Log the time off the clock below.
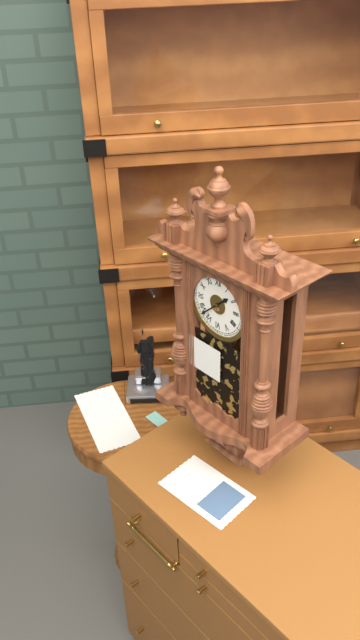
1:38
